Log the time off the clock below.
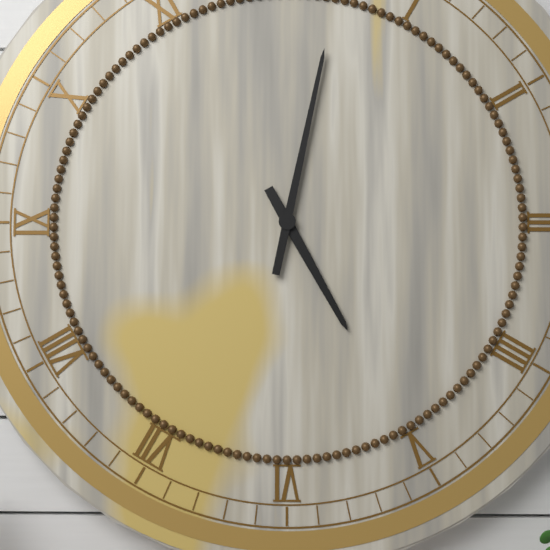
5:02
